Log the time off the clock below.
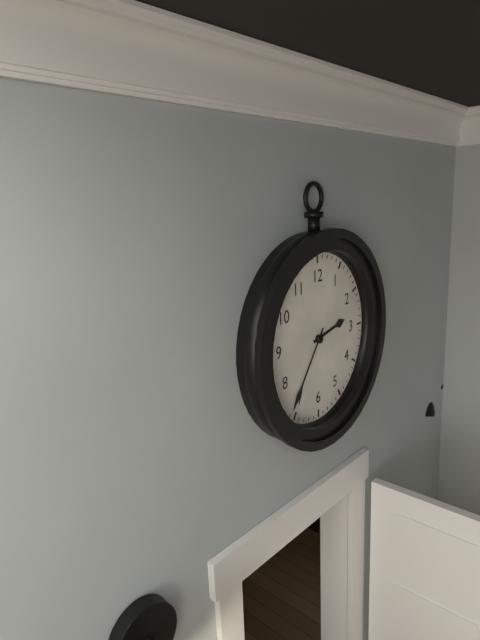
2:36
